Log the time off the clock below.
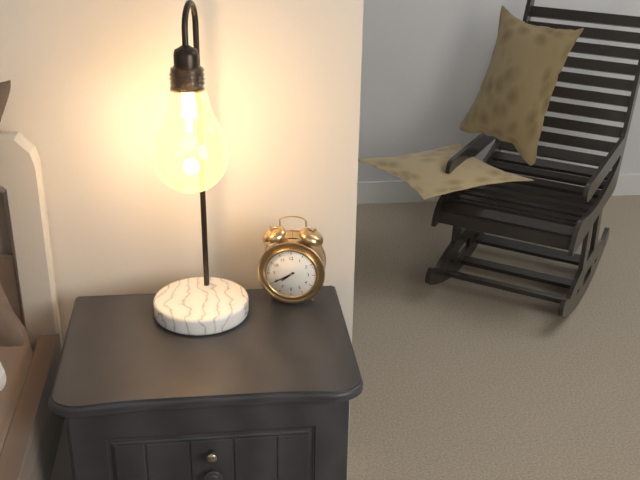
7:40
